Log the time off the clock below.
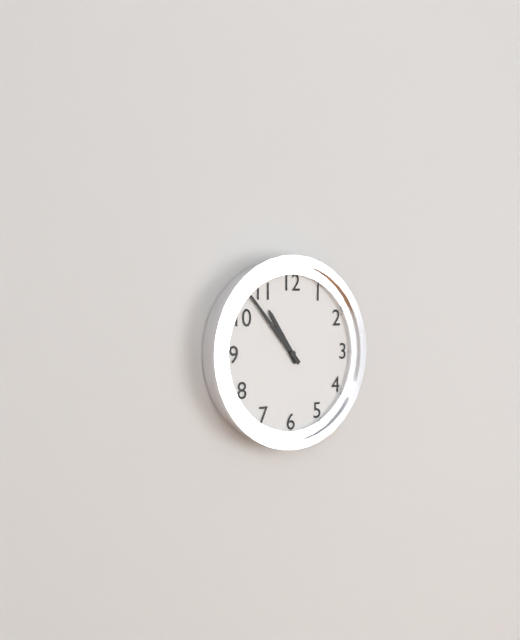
10:53
